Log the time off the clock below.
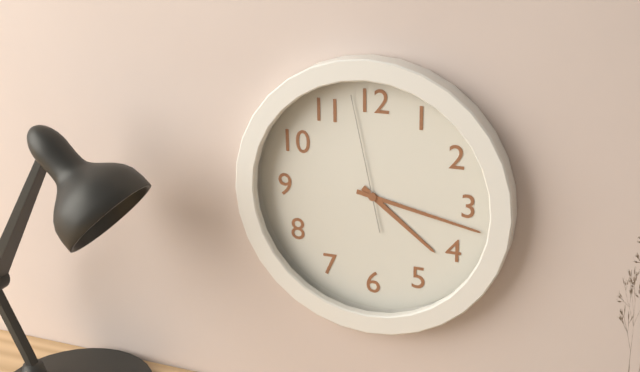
4:17:58
